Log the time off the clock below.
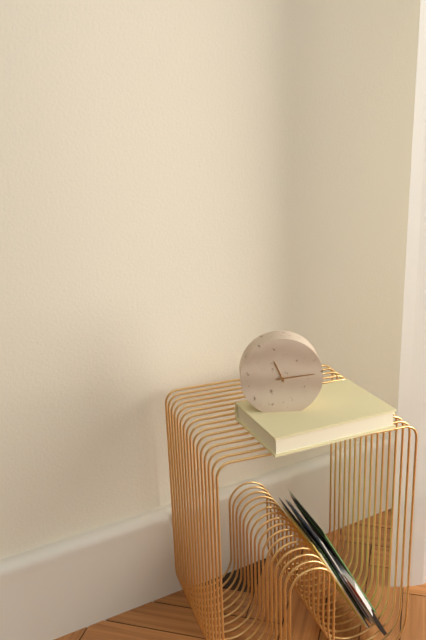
11:14
